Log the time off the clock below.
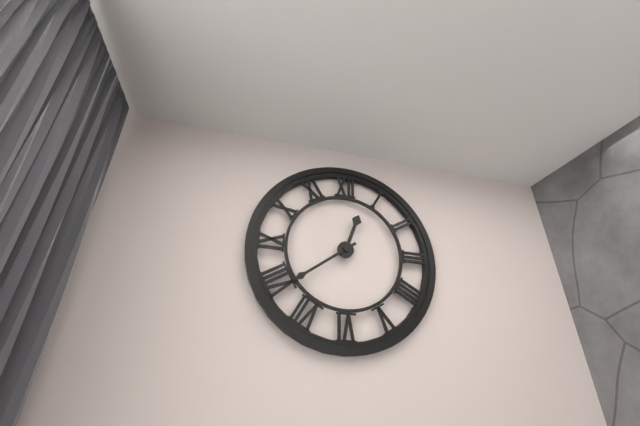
12:39
